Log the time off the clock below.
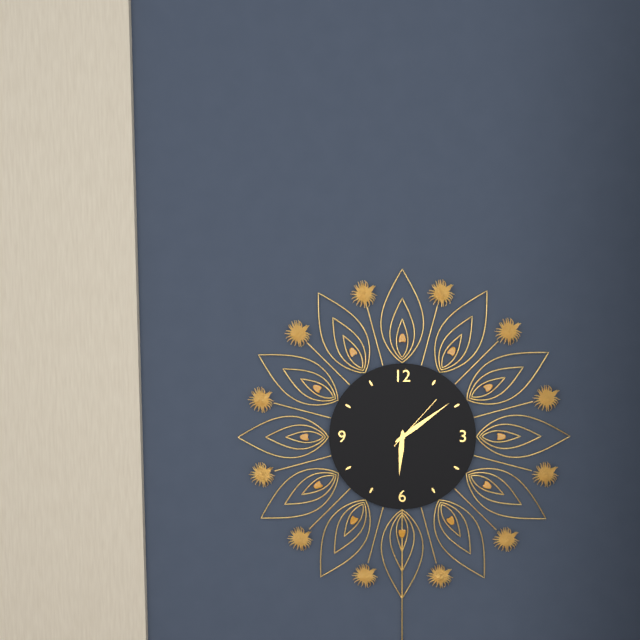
6:09:07
